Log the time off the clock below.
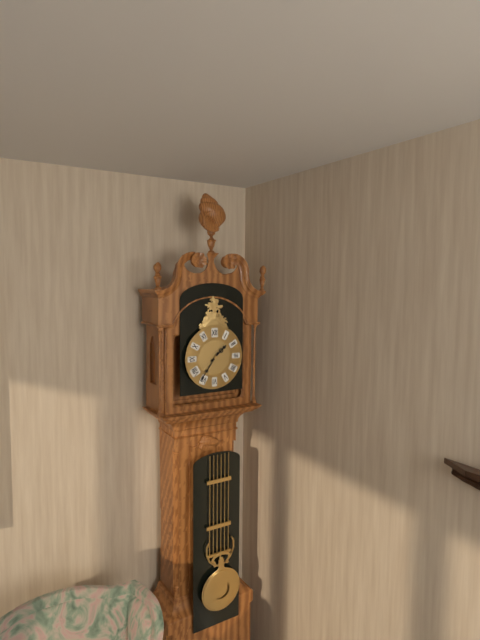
1:36
